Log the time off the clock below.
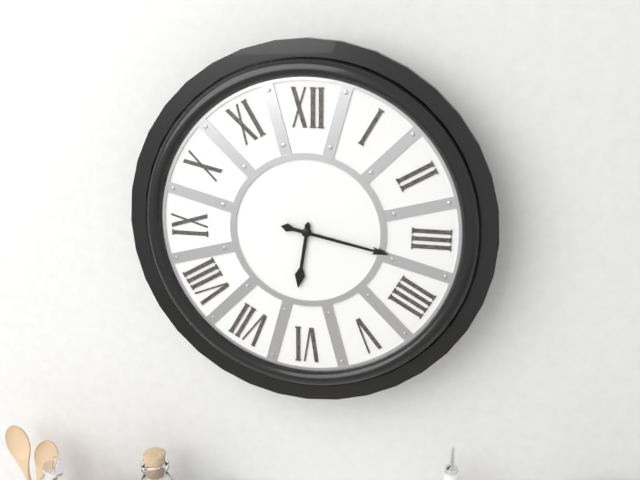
6:17
